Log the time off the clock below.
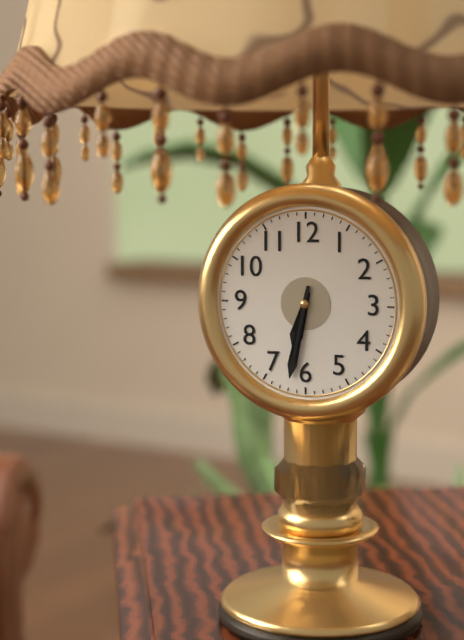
6:32
